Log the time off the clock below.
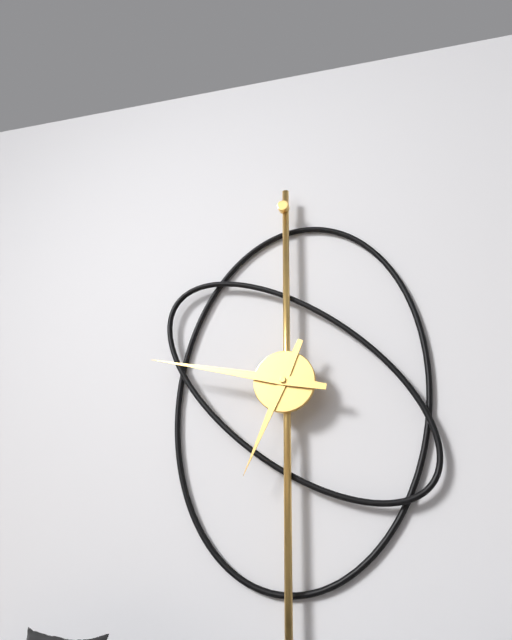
6:47
